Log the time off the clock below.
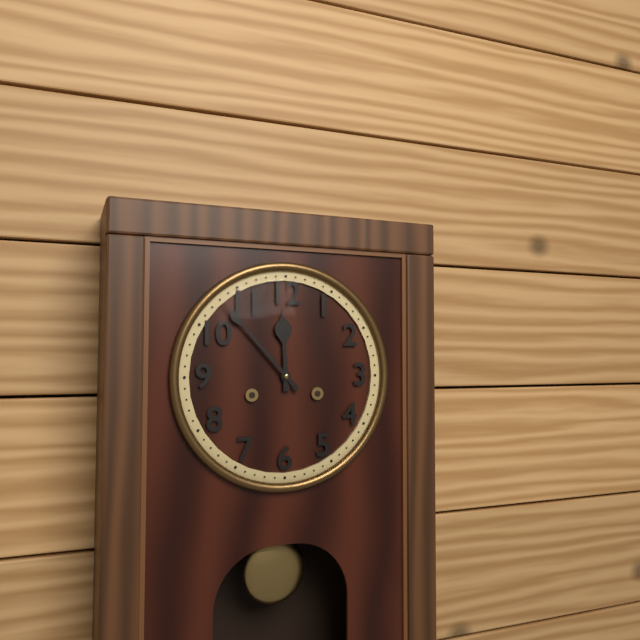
11:53
